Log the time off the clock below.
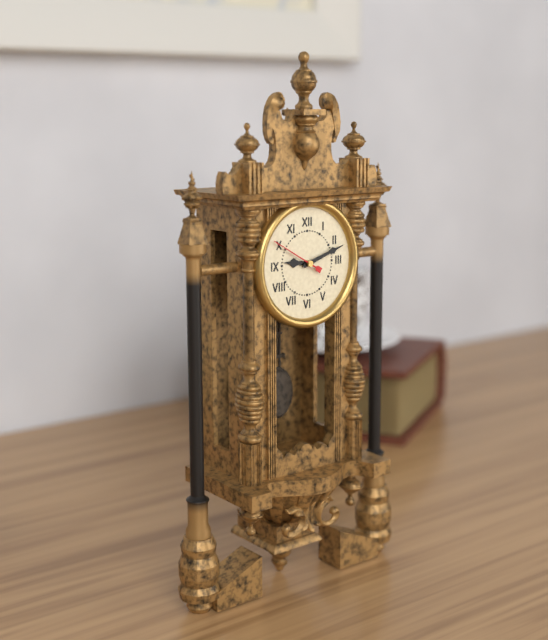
9:12:50
